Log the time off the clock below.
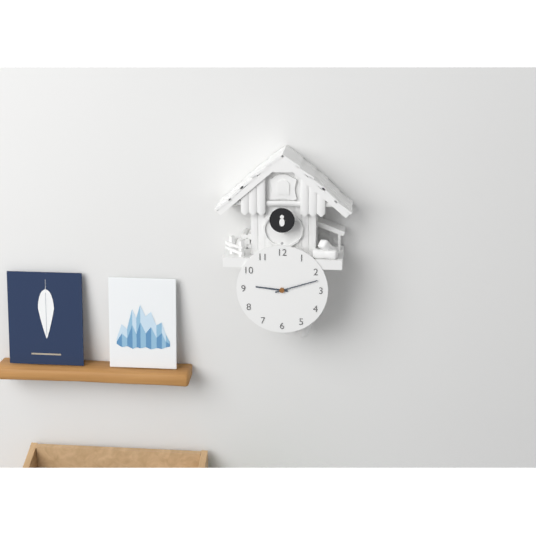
9:12
